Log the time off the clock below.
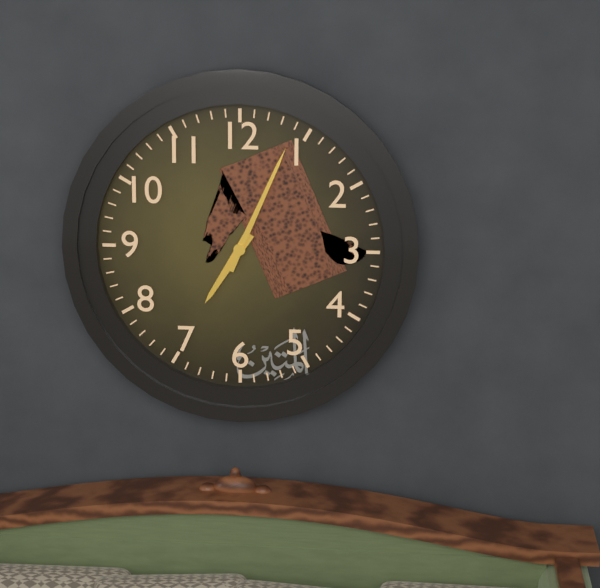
7:04
